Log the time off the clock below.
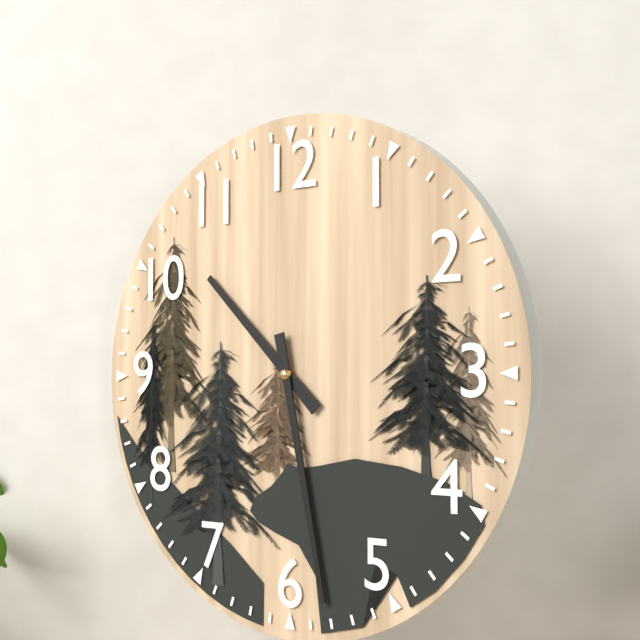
10:28
